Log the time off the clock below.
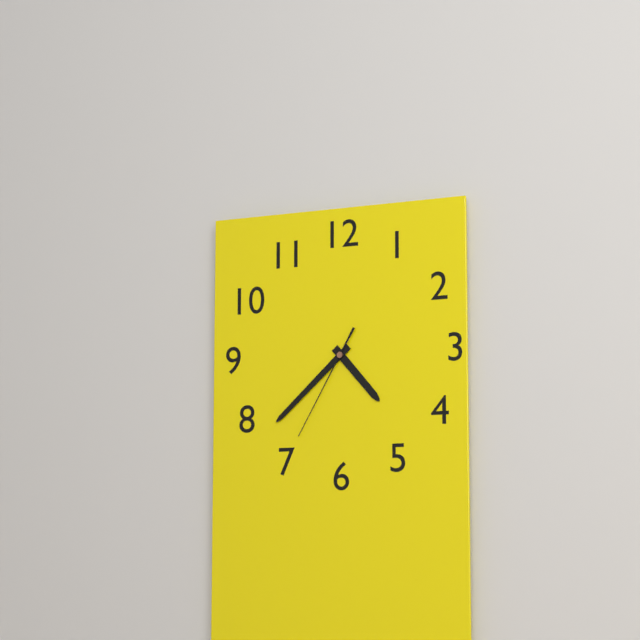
4:38:35
